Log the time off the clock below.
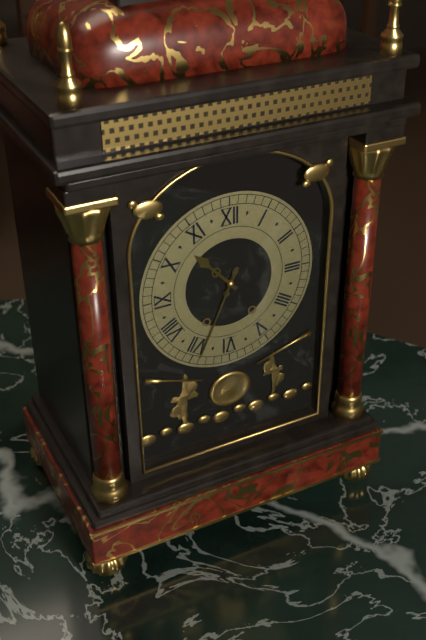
10:34
